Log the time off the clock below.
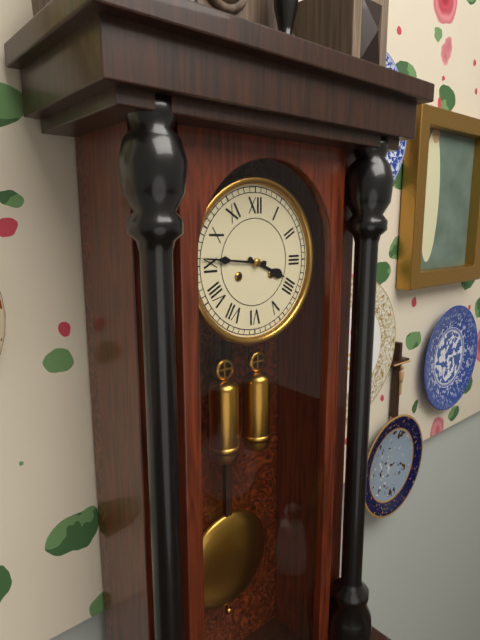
3:46
